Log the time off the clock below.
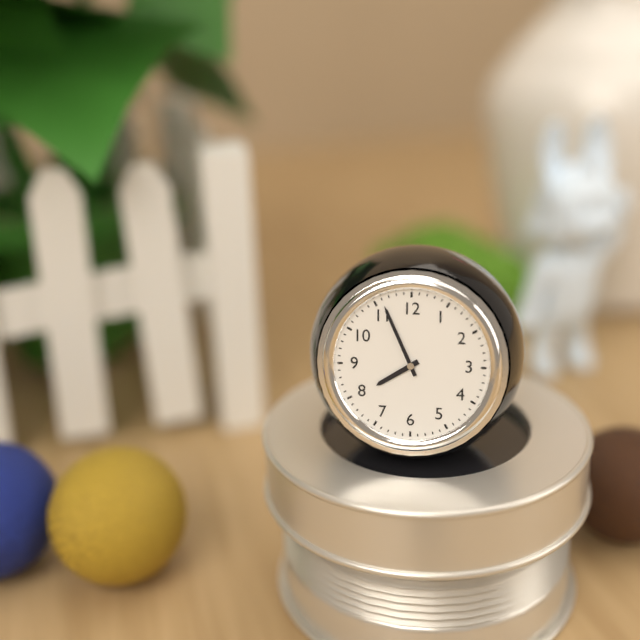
7:56
